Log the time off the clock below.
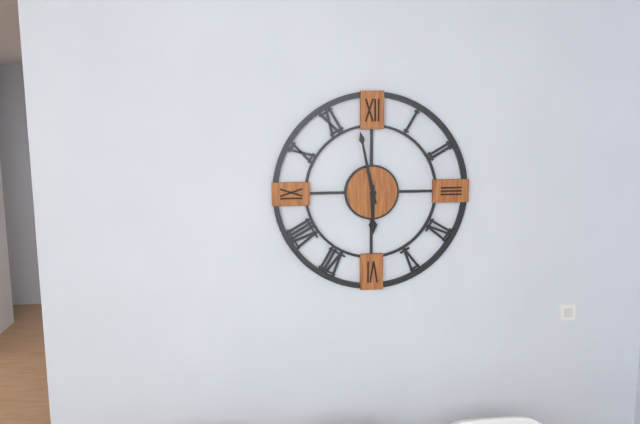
5:58
